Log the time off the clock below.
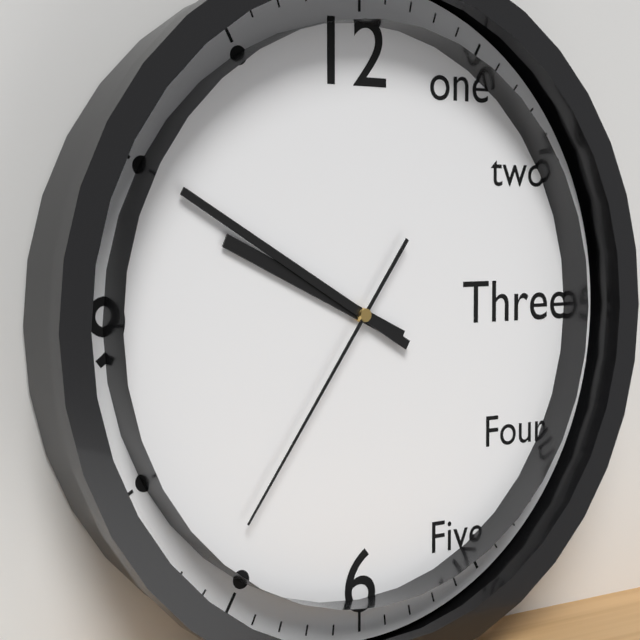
9:50:36
